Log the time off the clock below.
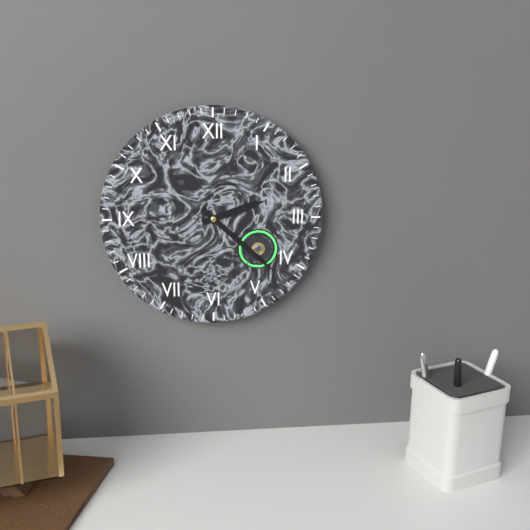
2:22
